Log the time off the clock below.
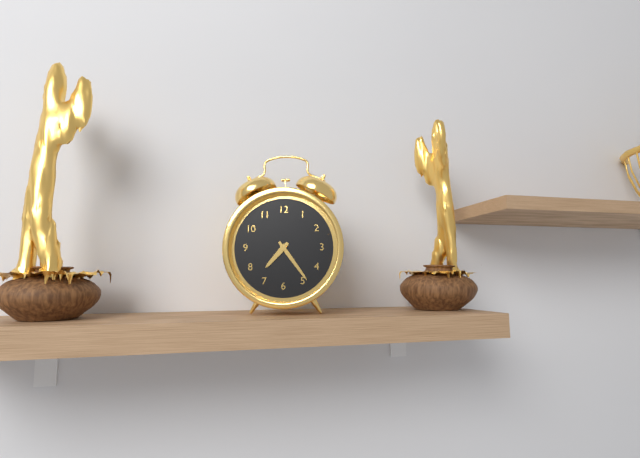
7:24
